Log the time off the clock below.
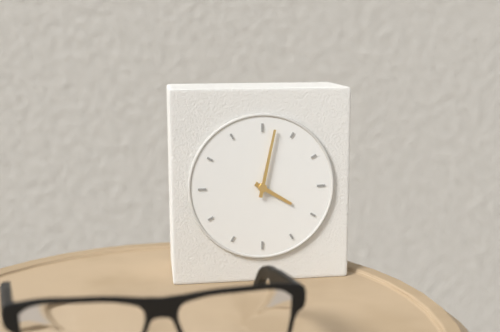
4:02
